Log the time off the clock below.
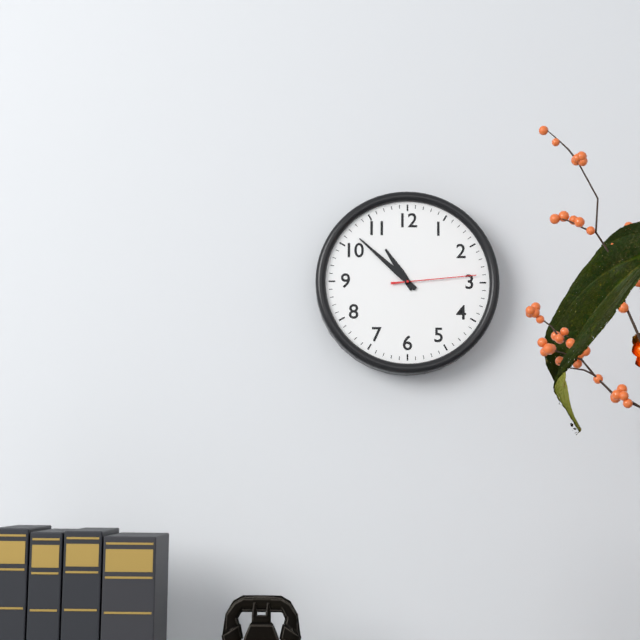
10:52:14
